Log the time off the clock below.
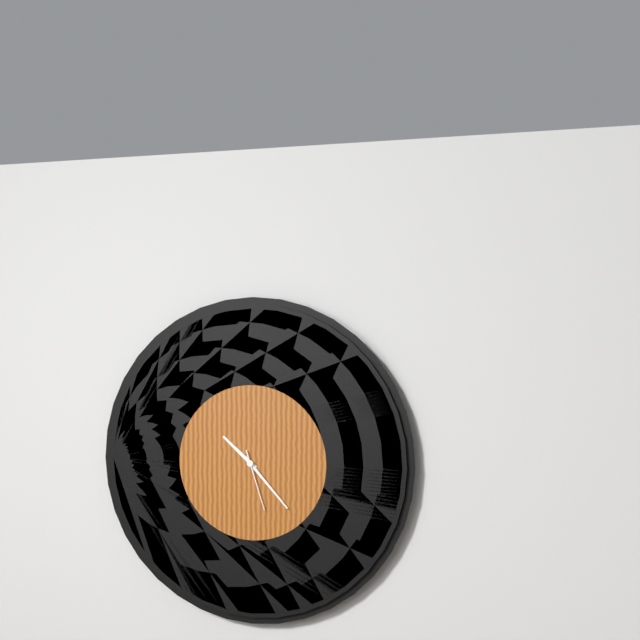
10:23:27
